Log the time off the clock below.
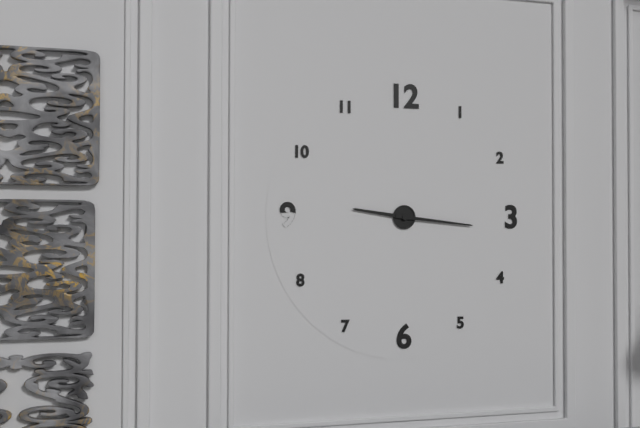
9:16
